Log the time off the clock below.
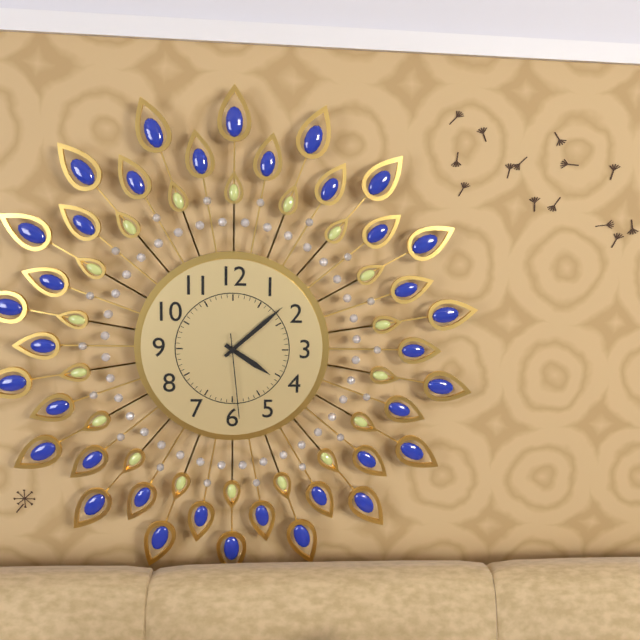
4:08:29
